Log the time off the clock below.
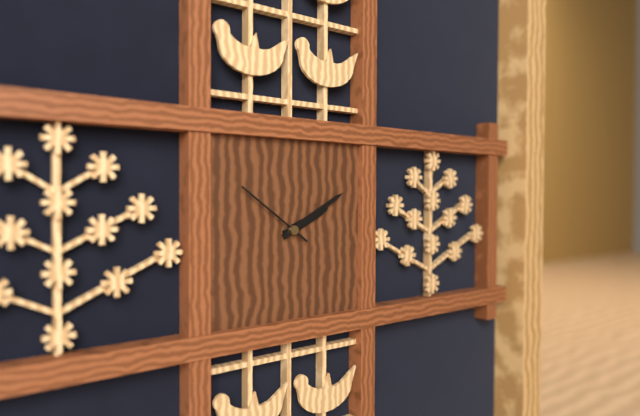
2:10:51
